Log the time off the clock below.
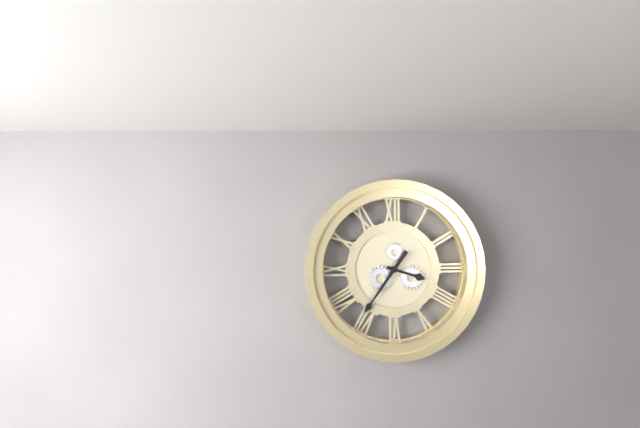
3:36
